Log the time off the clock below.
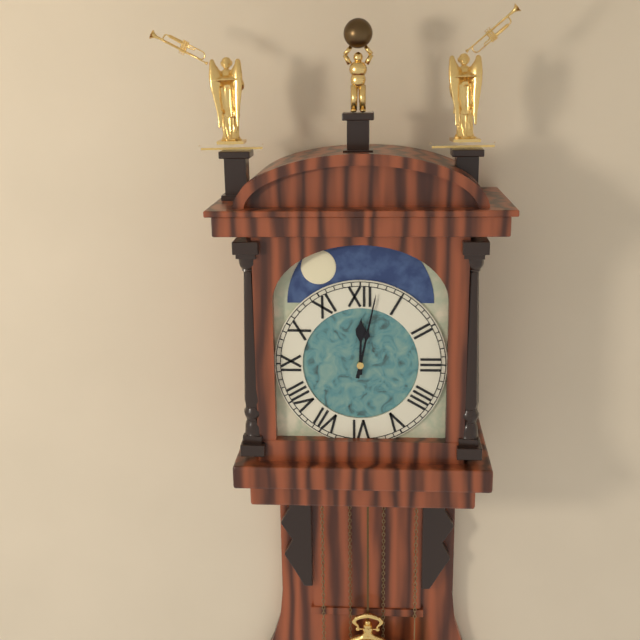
12:02
